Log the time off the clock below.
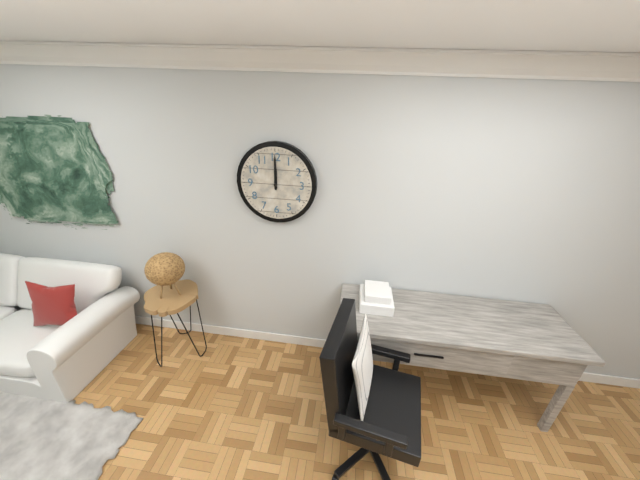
12:00
